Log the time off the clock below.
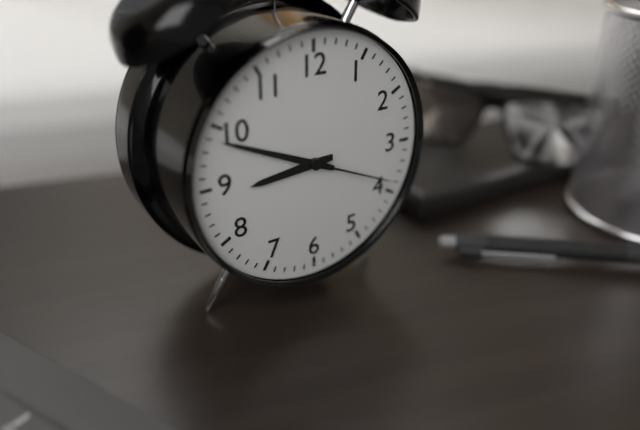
8:49:19
